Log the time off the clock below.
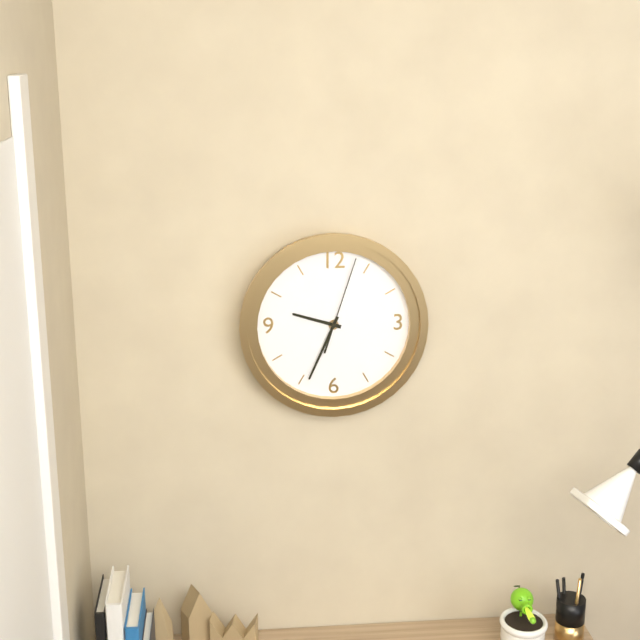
9:34:03
